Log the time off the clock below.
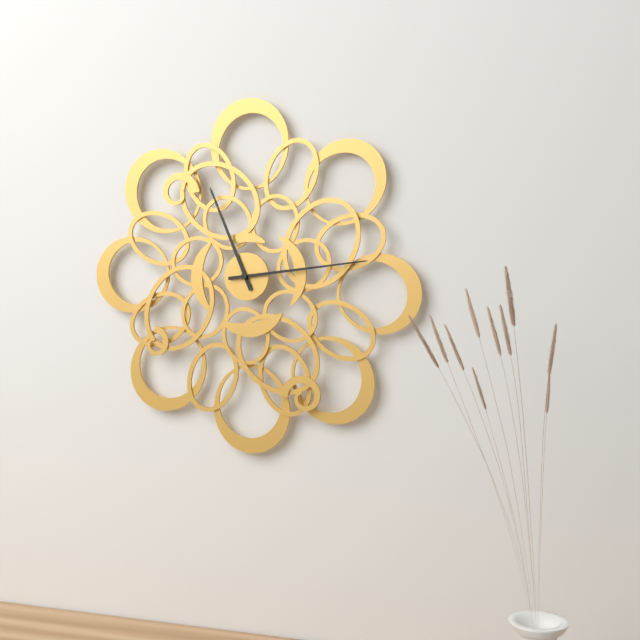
11:14
